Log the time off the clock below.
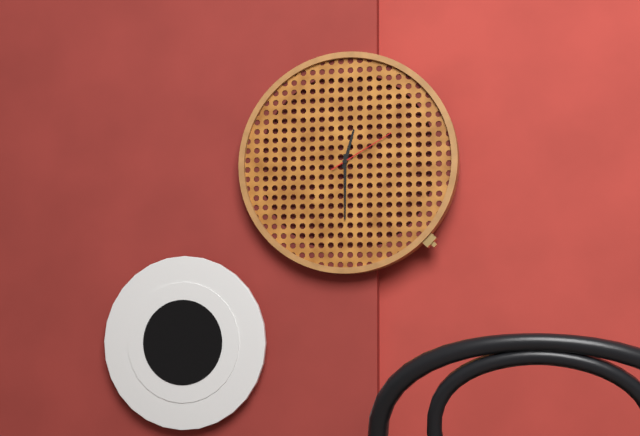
12:30:10
